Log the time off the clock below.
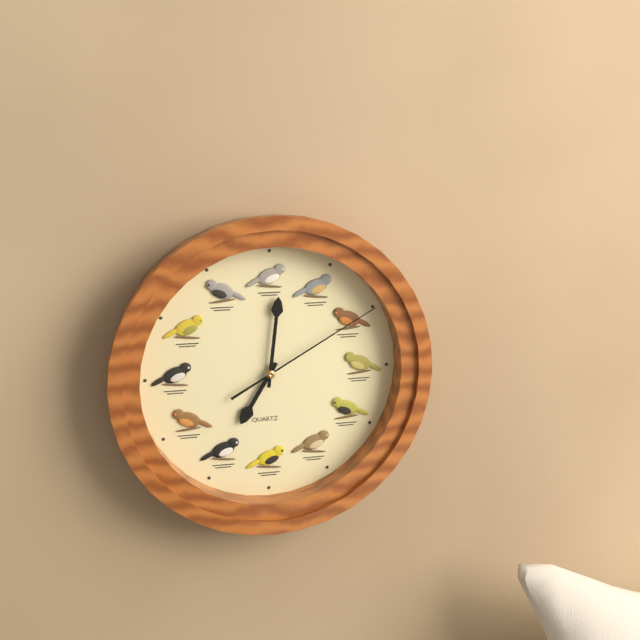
7:01:10
